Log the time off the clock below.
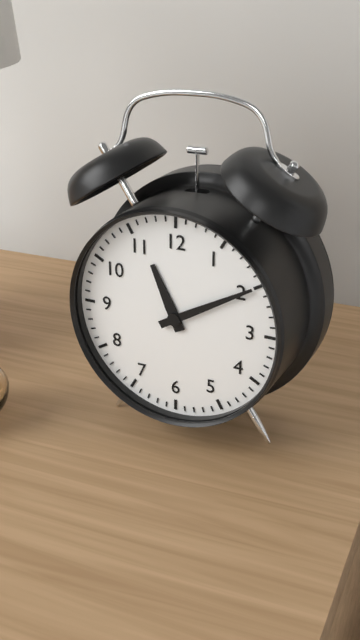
11:10
